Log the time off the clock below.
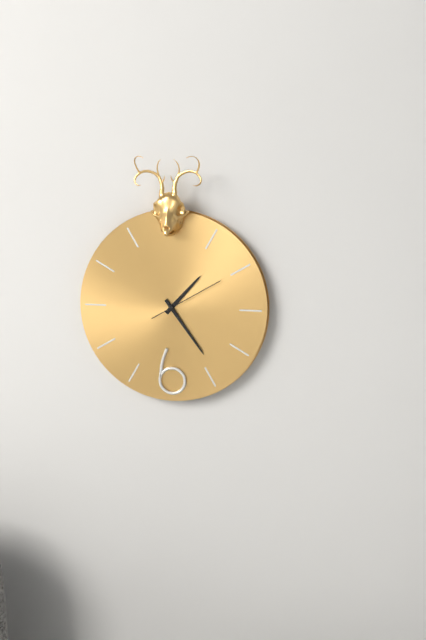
1:24:10
